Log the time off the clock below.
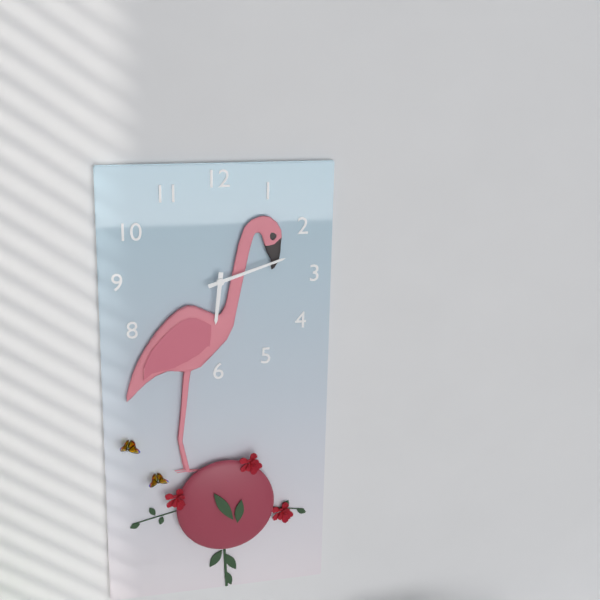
6:12
